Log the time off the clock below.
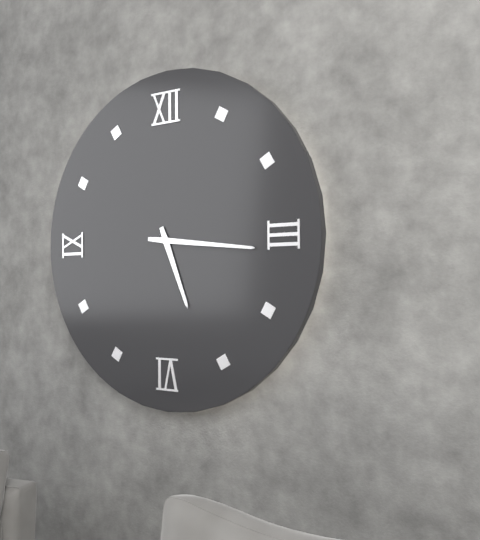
5:16
